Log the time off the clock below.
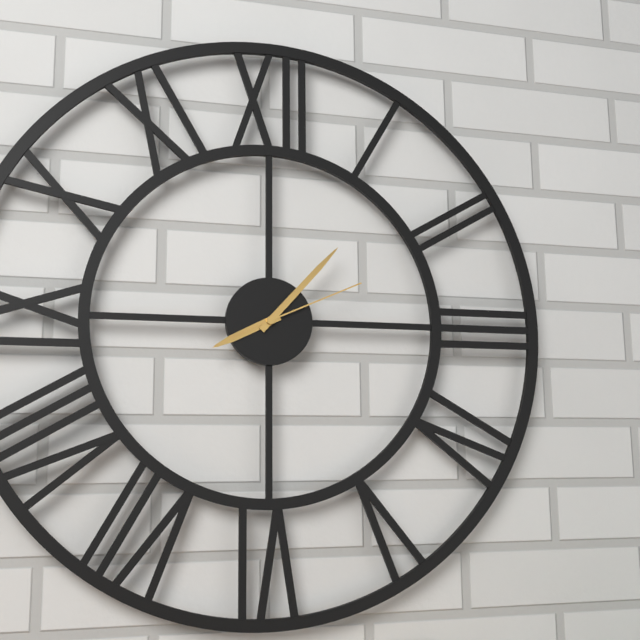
8:07:11
